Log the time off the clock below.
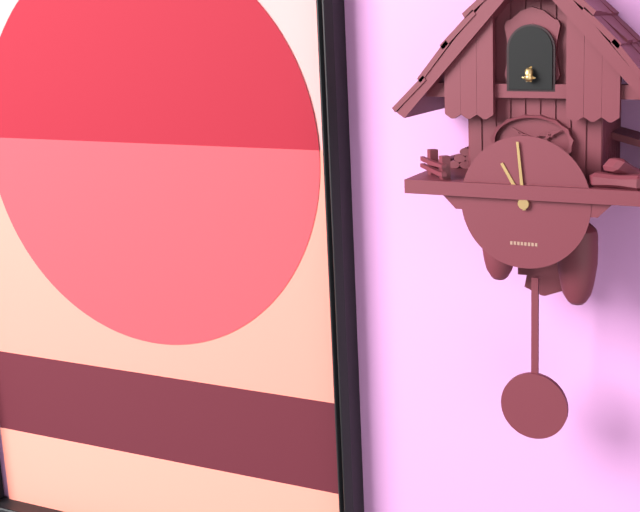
10:59
